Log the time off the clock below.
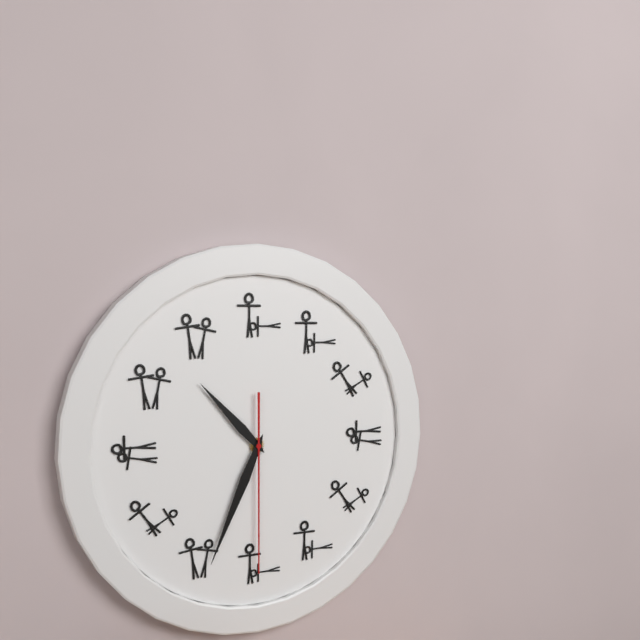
10:34:30
